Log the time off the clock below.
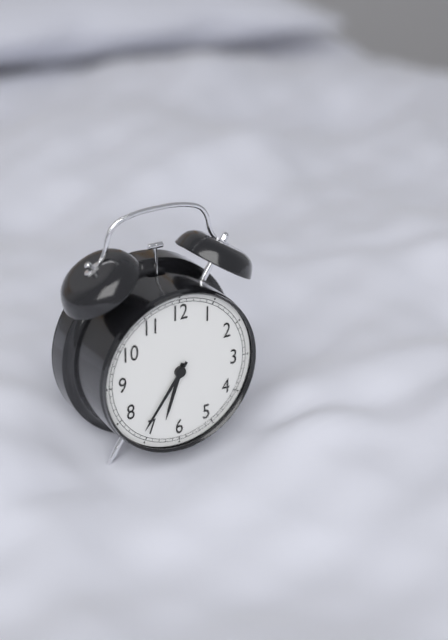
6:36
